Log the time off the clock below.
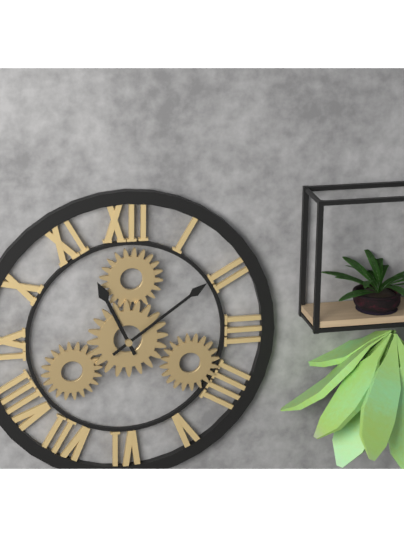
11:09
